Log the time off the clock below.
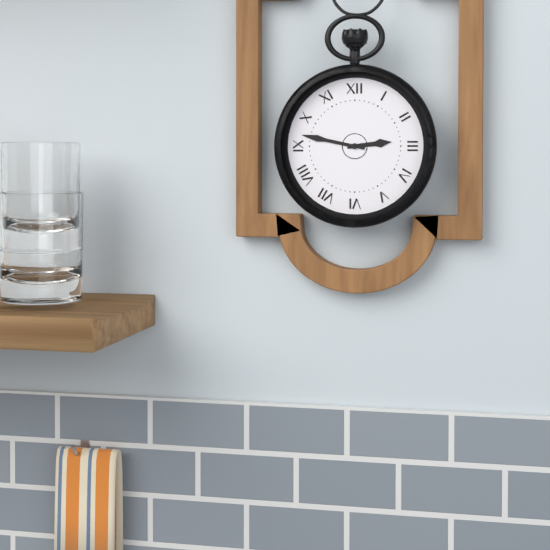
2:47
